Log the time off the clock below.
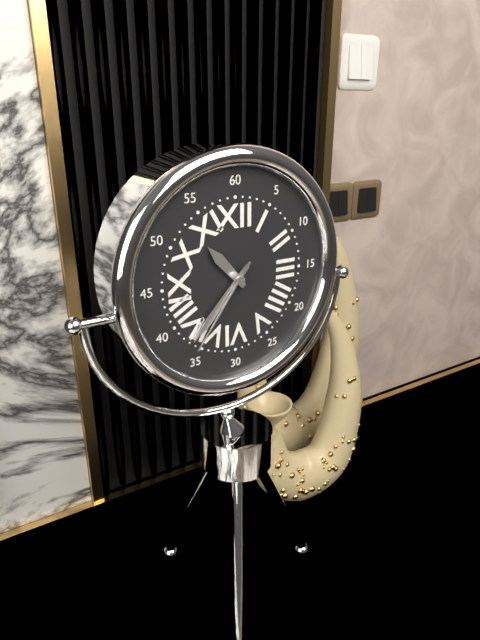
10:37:36
